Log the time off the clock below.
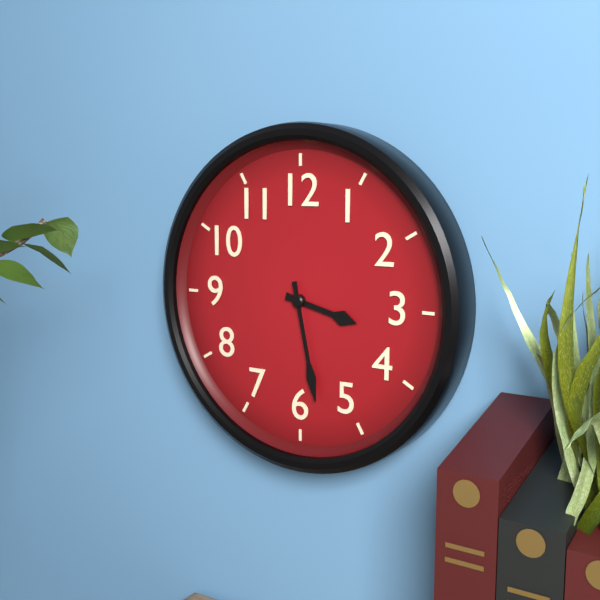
3:28
